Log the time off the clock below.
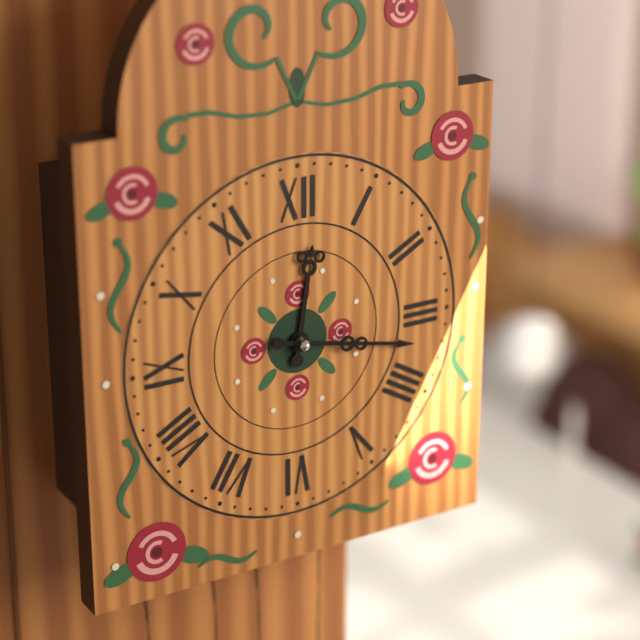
12:17
